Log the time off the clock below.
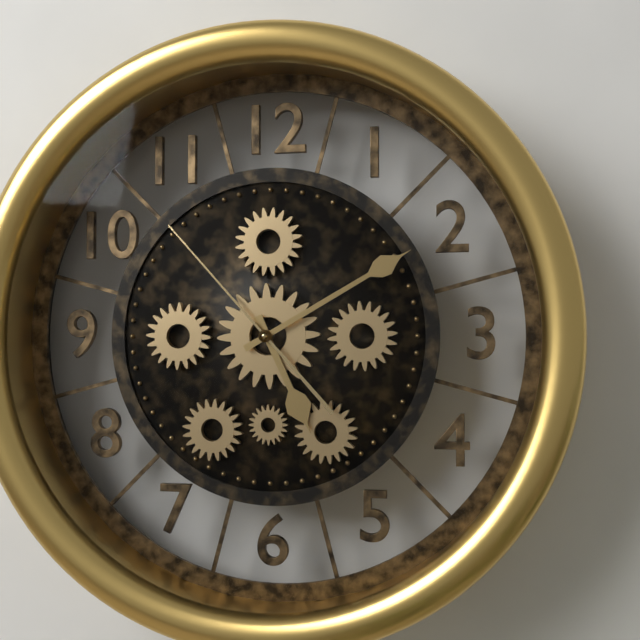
5:10:53
